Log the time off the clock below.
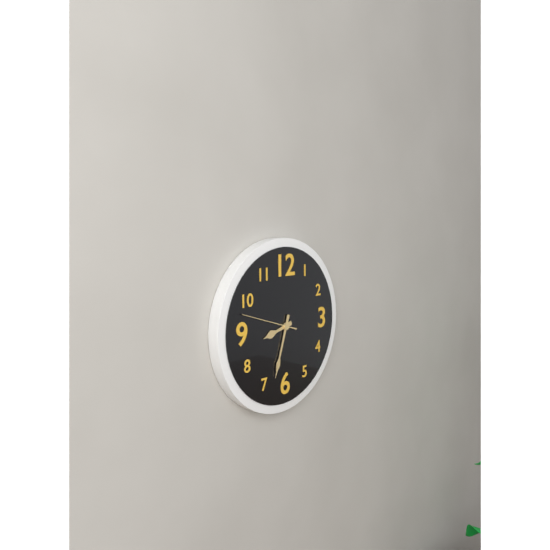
8:33:48
